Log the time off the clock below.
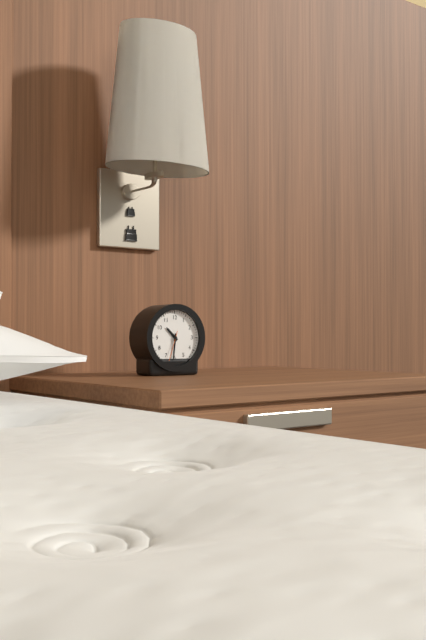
10:31
